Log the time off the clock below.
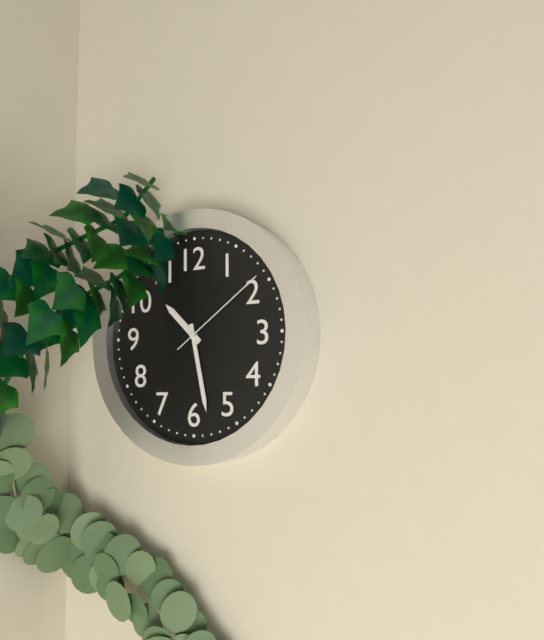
10:28:09
